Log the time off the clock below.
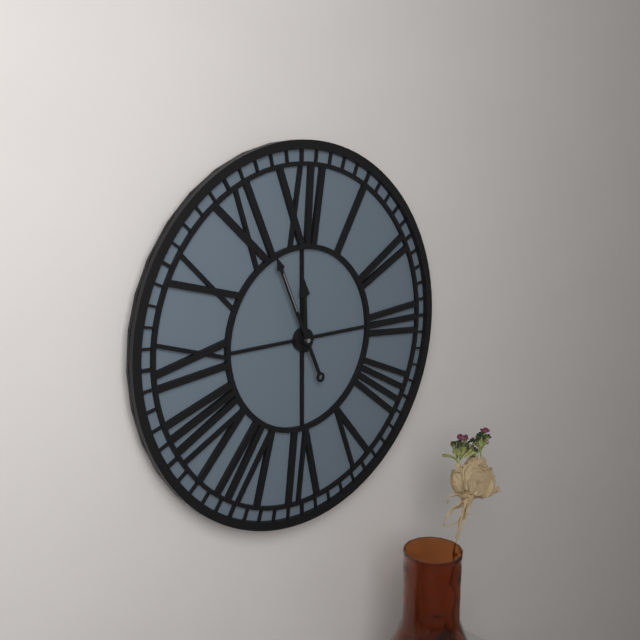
11:56
